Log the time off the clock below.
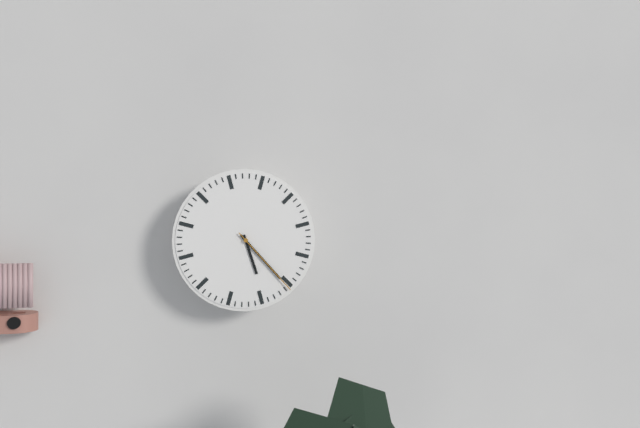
5:23:23
